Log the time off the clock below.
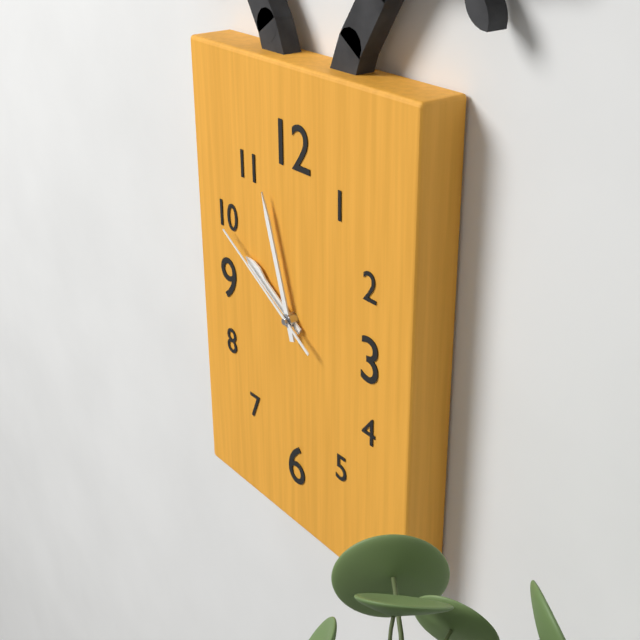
9:57:50
